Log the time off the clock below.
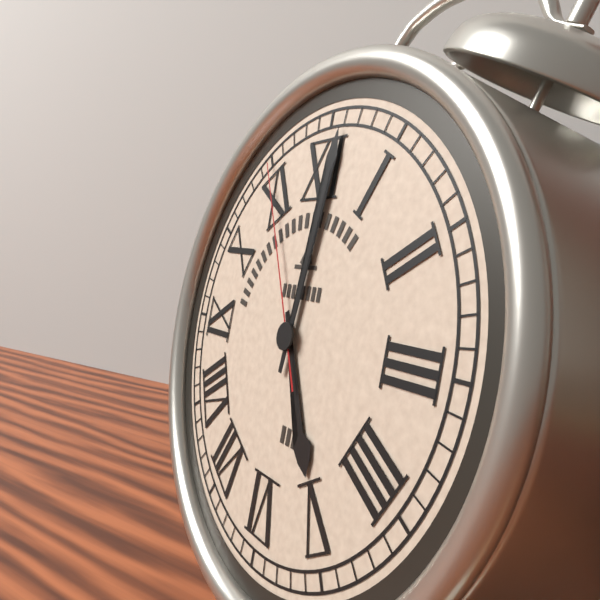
5:01:55
